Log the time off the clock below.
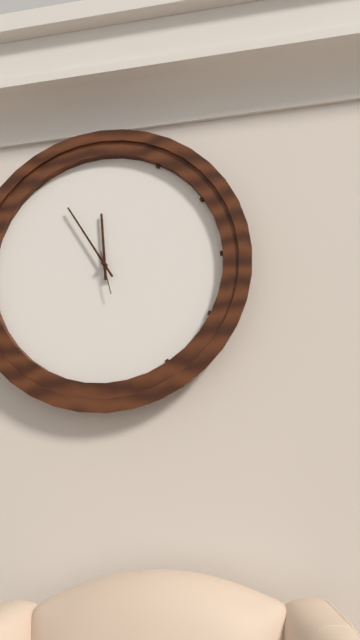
11:55
